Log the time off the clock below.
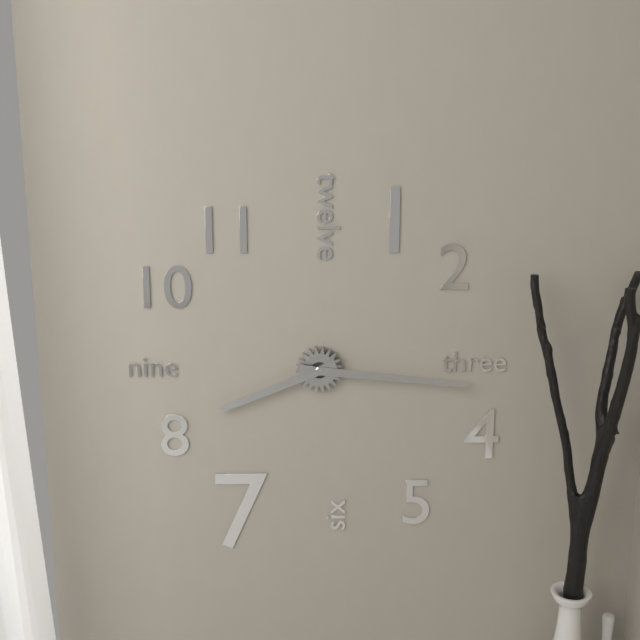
8:16
